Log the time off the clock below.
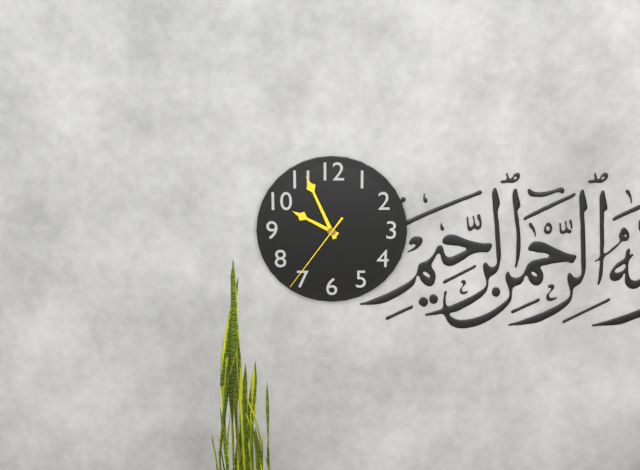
9:56:36
